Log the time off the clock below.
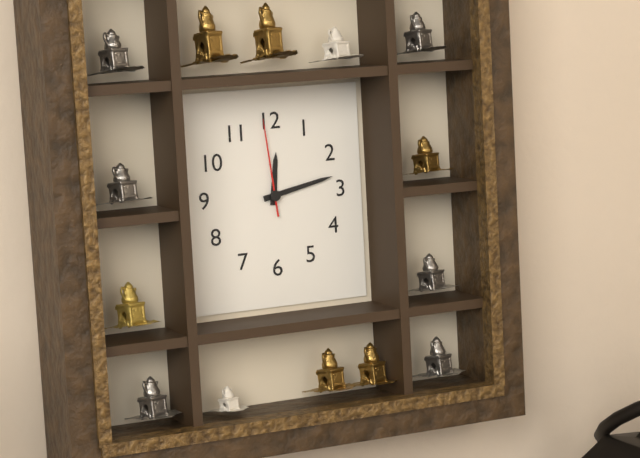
12:13:59
